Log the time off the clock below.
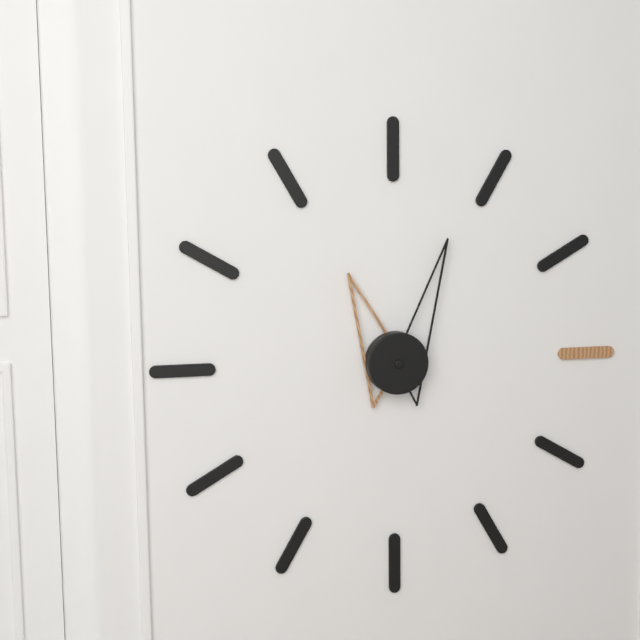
11:04
